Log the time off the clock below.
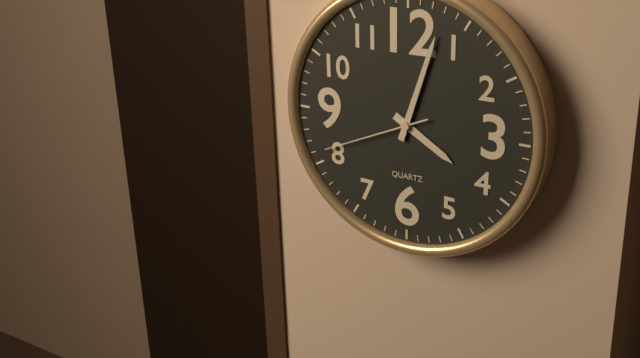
4:03:41
